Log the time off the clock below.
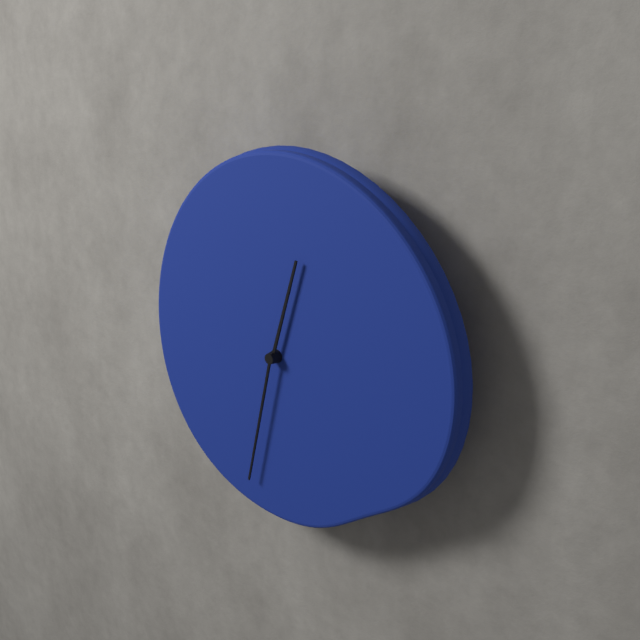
12:32
